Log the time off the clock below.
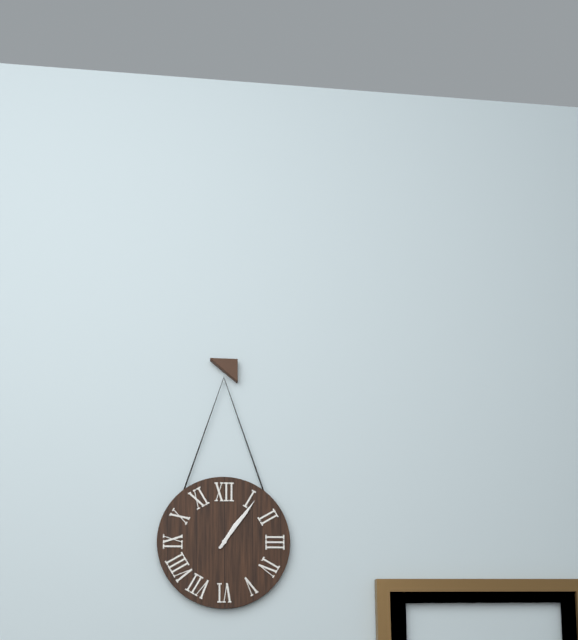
1:06
